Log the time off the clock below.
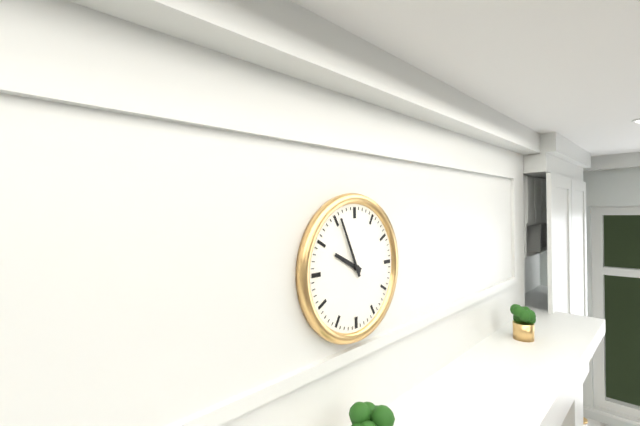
9:56
